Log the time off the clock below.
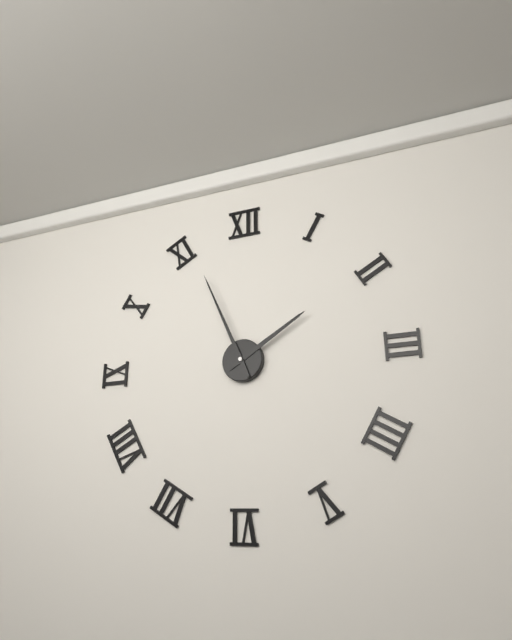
1:56
